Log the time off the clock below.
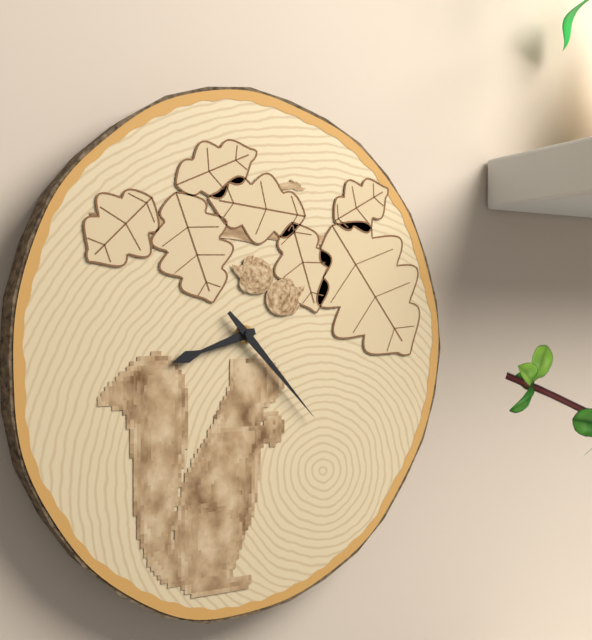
8:23
